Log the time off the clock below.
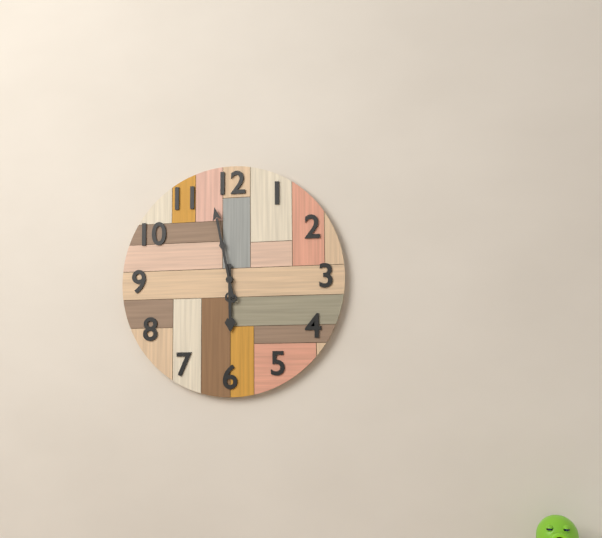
5:58
